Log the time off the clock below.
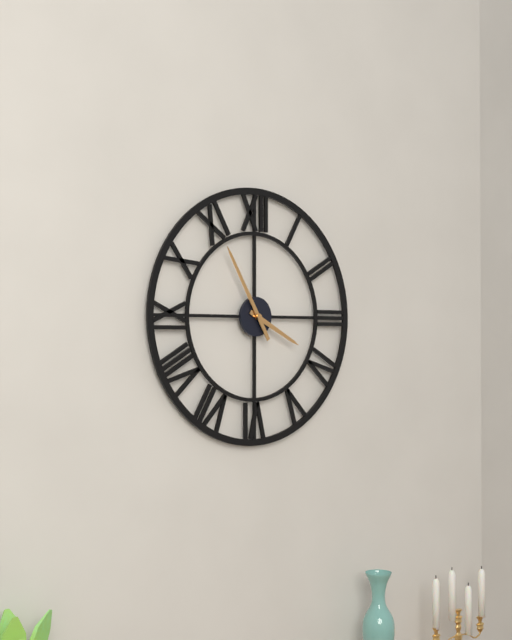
3:55
